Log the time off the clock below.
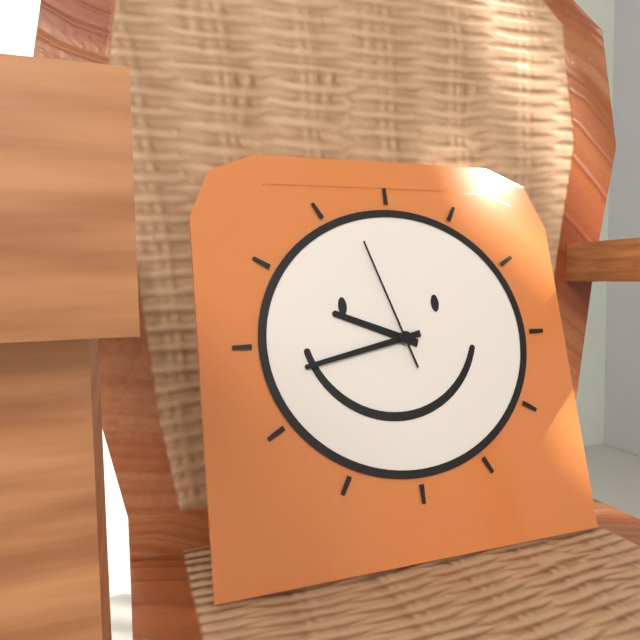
9:43:57
